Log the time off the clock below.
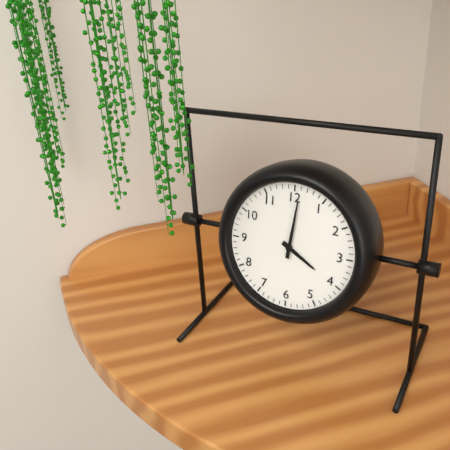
4:01
